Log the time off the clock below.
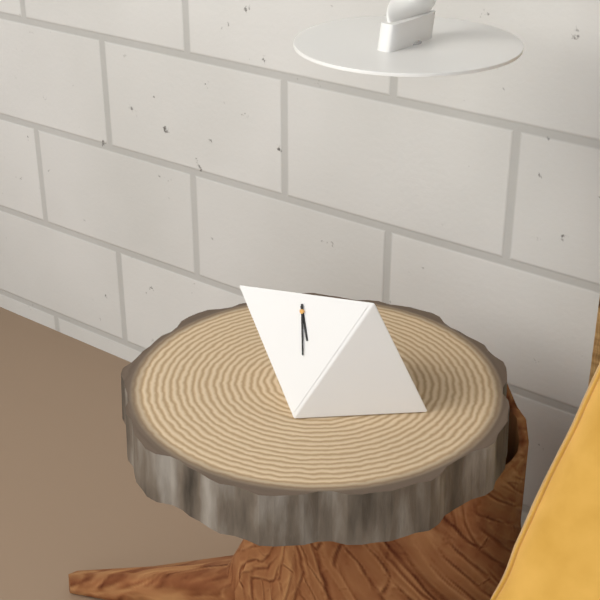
5:29
